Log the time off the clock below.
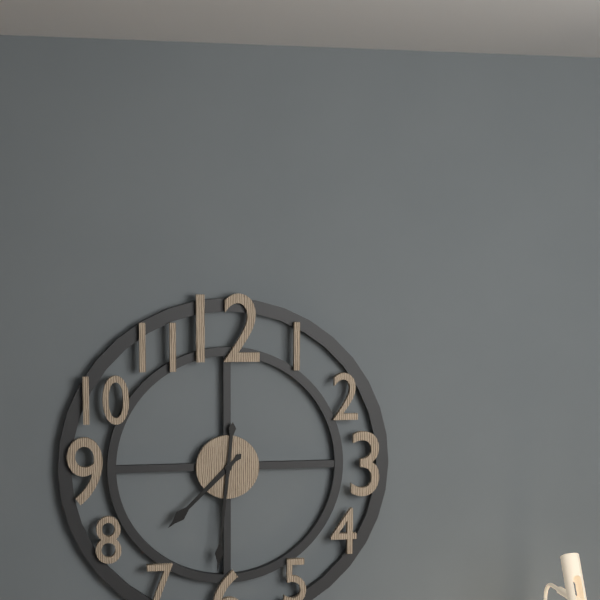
7:31
